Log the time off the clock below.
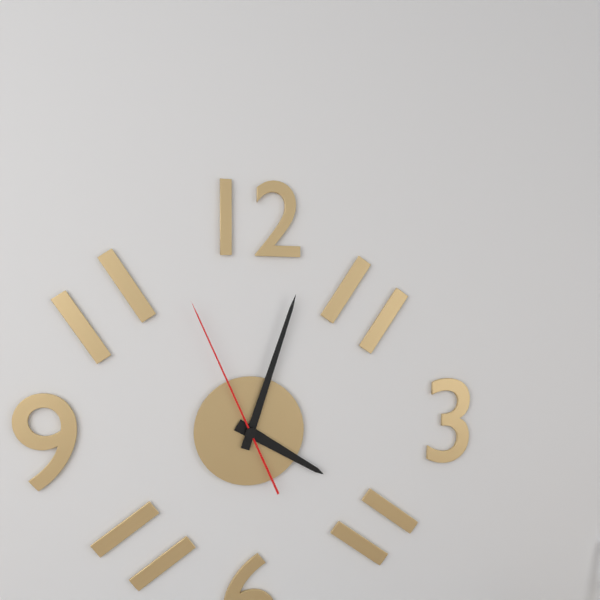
4:03:56
